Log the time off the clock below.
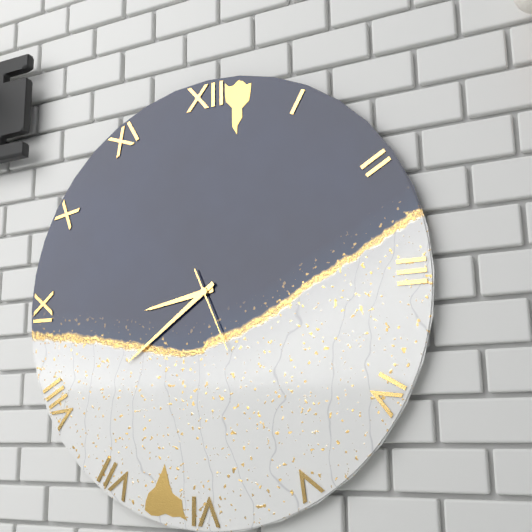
8:39:26
